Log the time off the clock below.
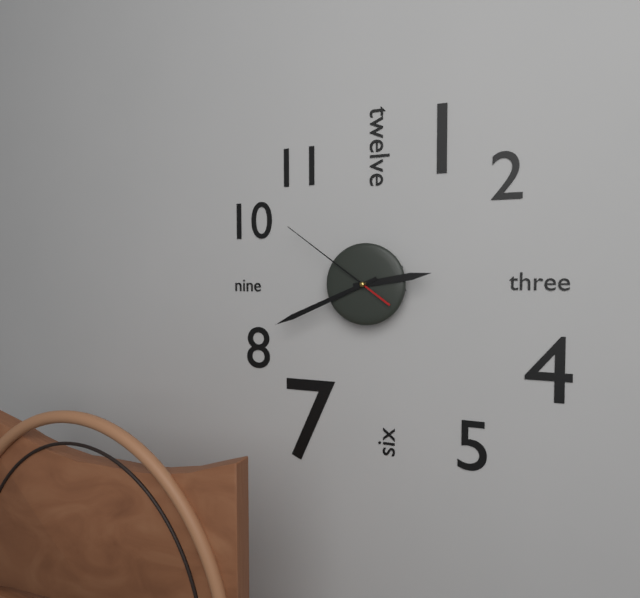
2:41:51
